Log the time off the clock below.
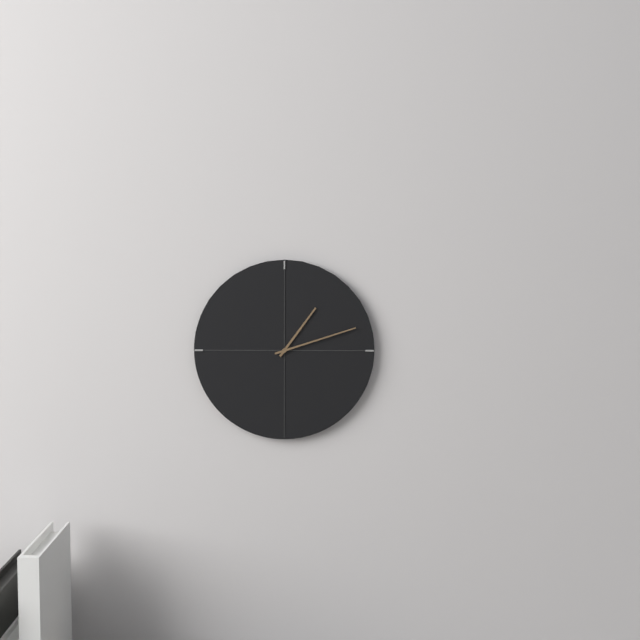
1:12
